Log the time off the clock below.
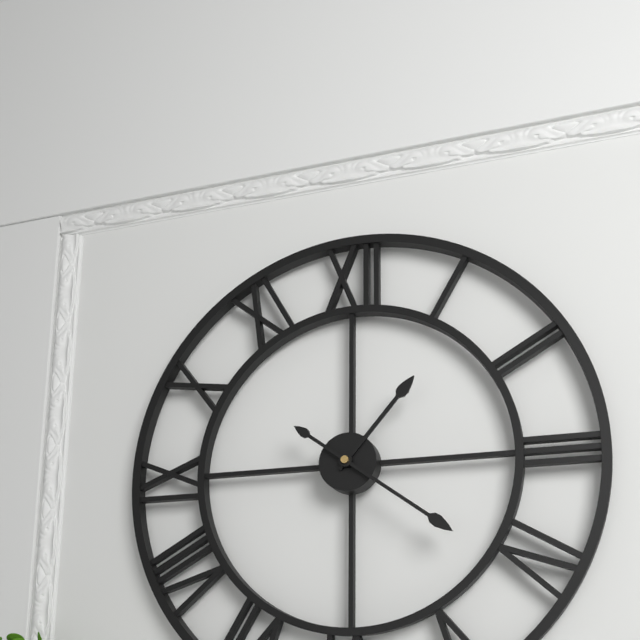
1:21
